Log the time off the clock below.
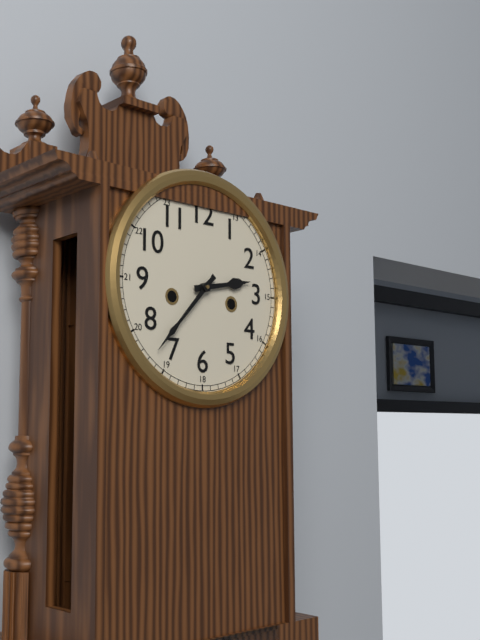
2:37
